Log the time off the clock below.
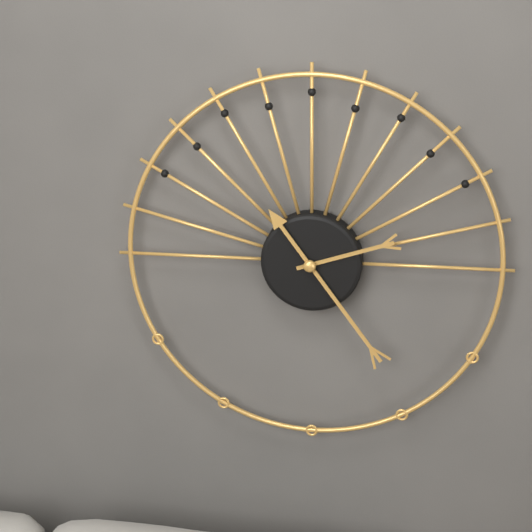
2:24
